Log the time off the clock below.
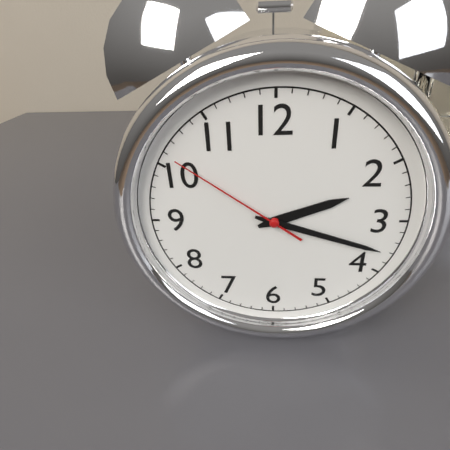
2:18:51
